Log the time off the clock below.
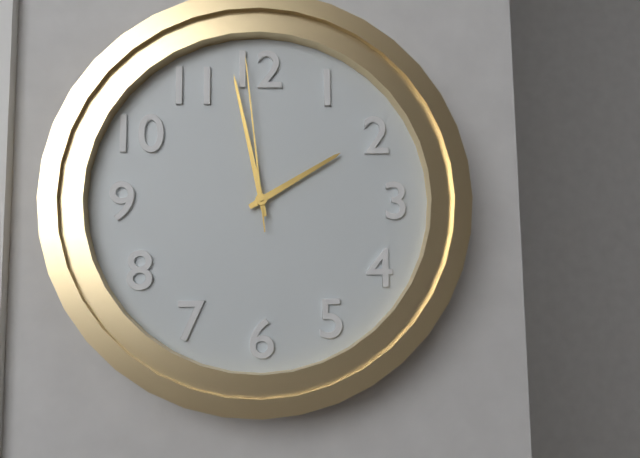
1:58:59
